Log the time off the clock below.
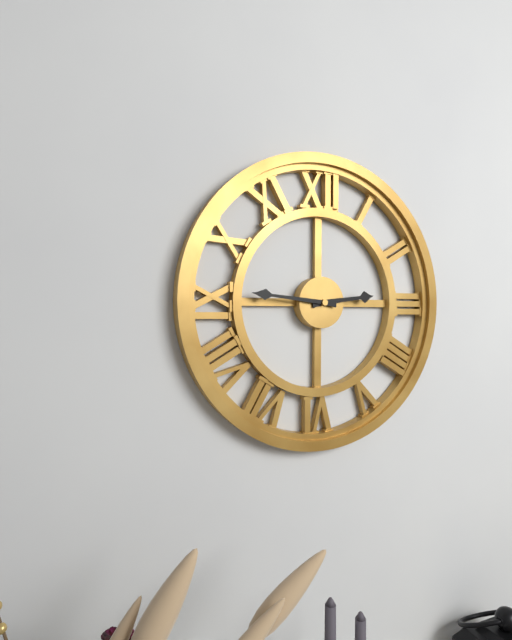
2:46
